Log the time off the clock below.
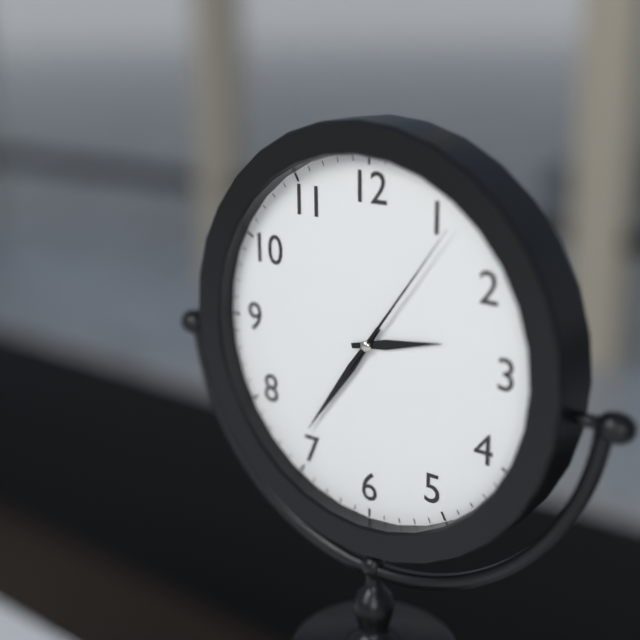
2:36:06
